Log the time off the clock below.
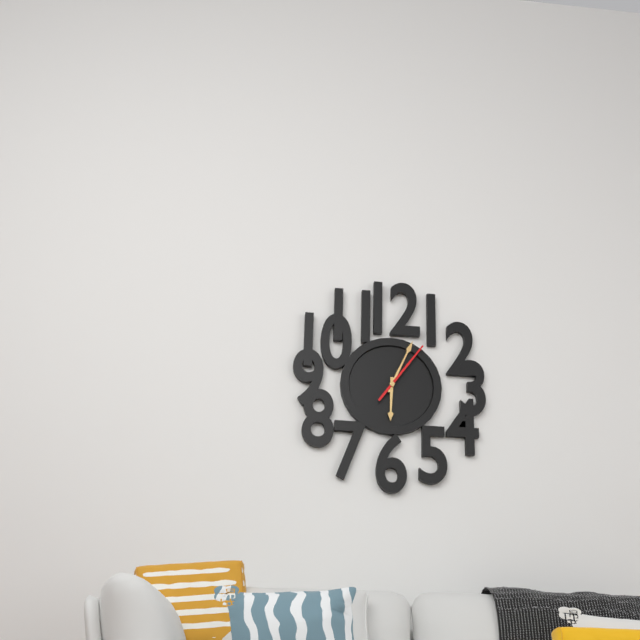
6:04:06
